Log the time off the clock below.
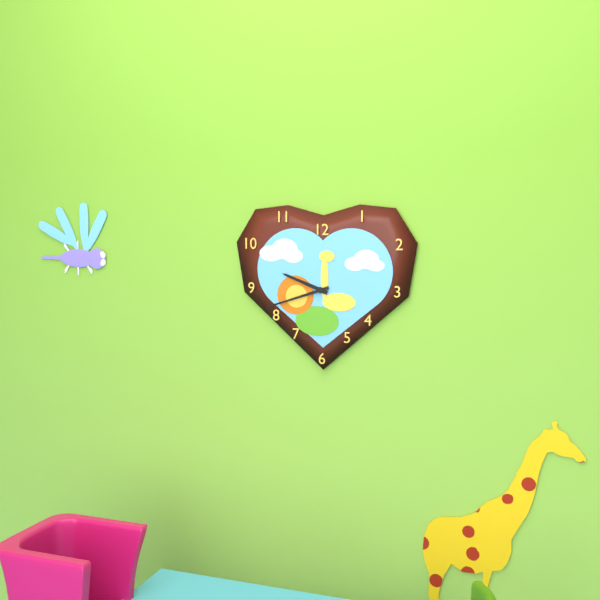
9:42
